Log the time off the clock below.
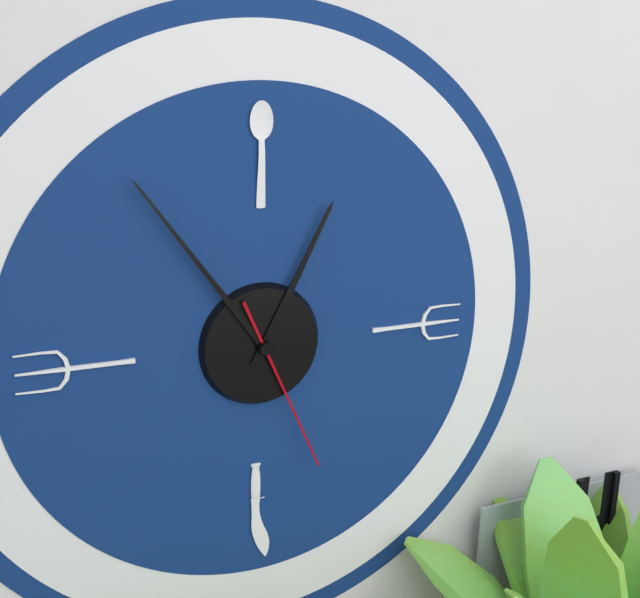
12:54:26
